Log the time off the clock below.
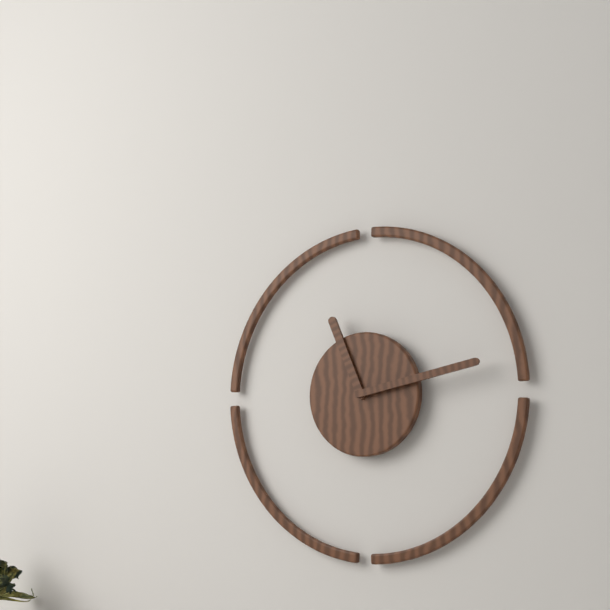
11:13
